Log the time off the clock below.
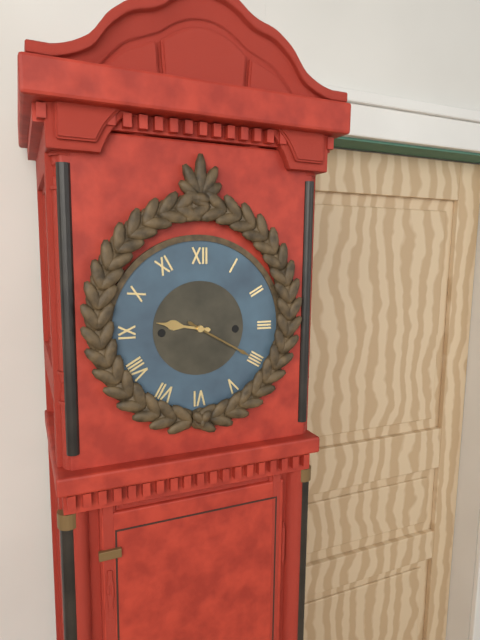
9:20
